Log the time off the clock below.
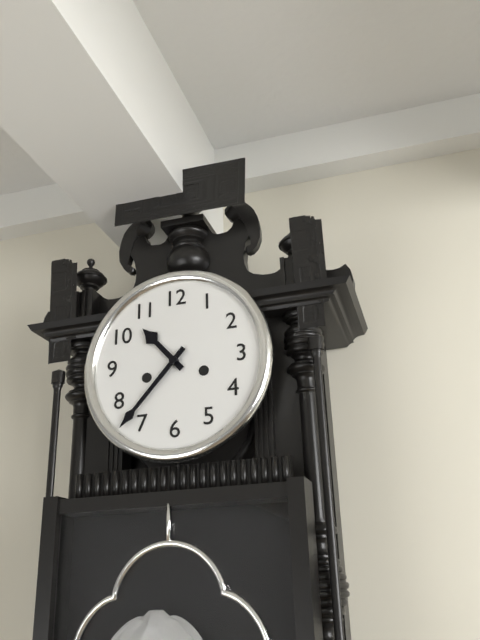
10:37
